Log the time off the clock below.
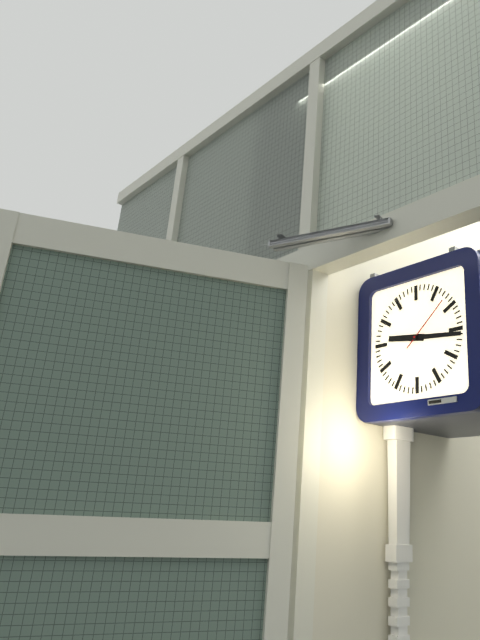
9:16:08
